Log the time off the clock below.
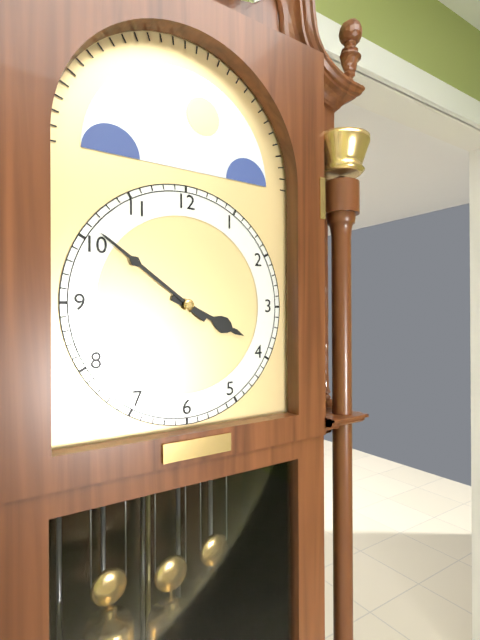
3:51
